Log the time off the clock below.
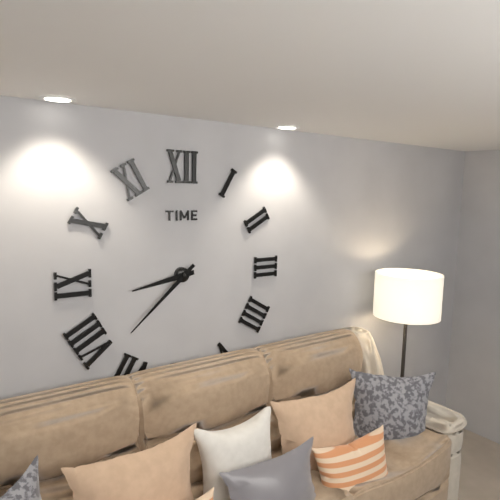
8:38
